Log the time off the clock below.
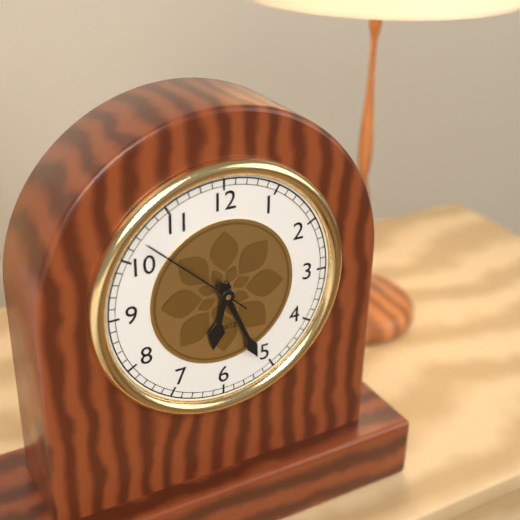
6:26:52
